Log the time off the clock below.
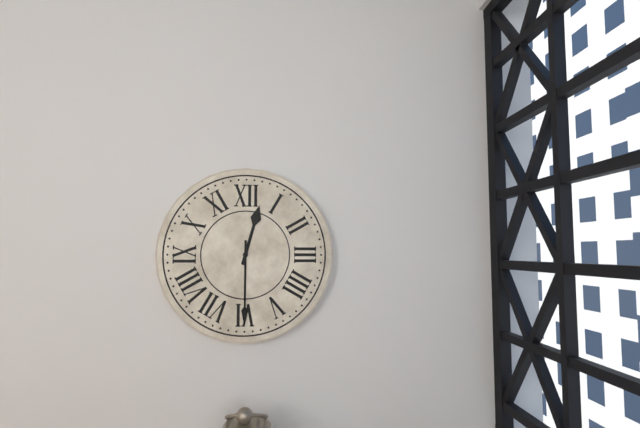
12:30
